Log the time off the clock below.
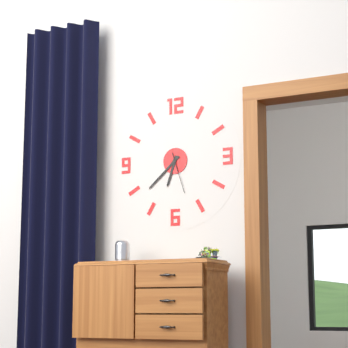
6:38
